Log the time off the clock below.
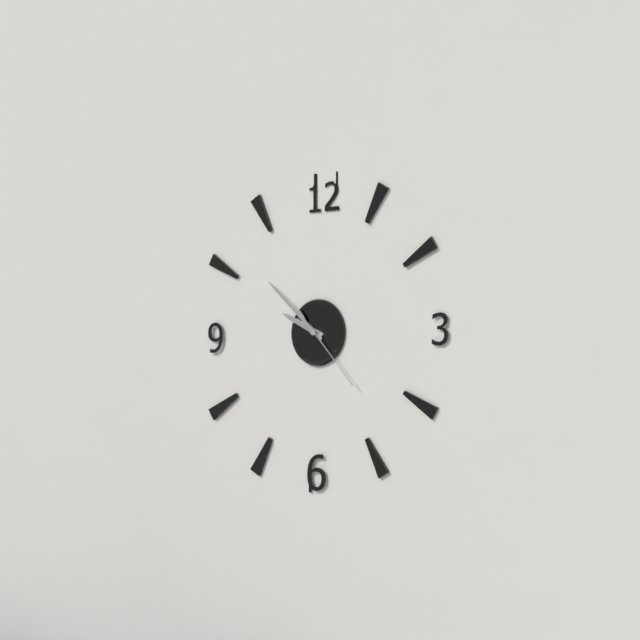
9:52:23
